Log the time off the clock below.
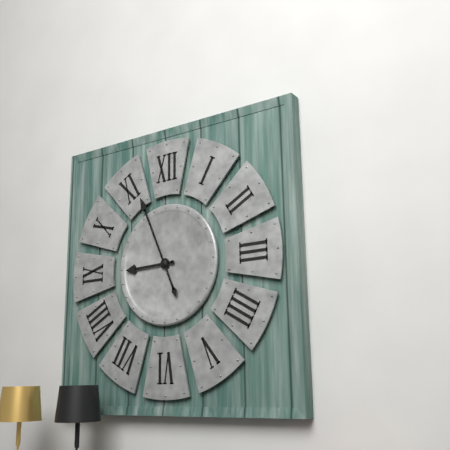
8:56
